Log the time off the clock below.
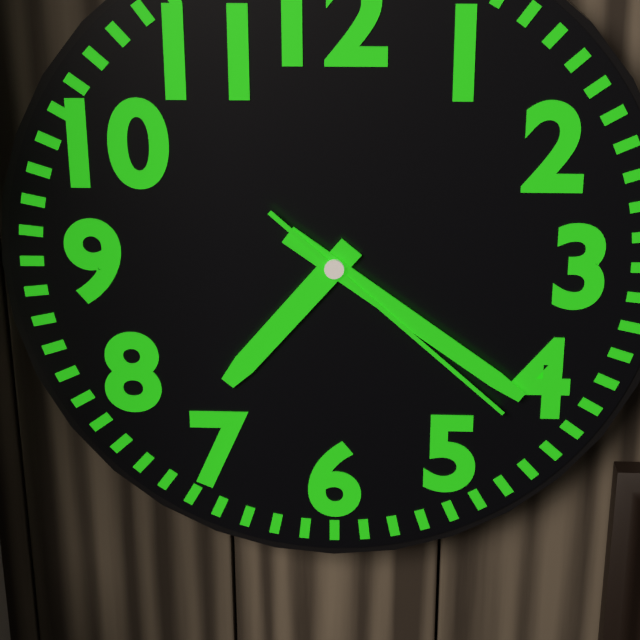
7:21:22
